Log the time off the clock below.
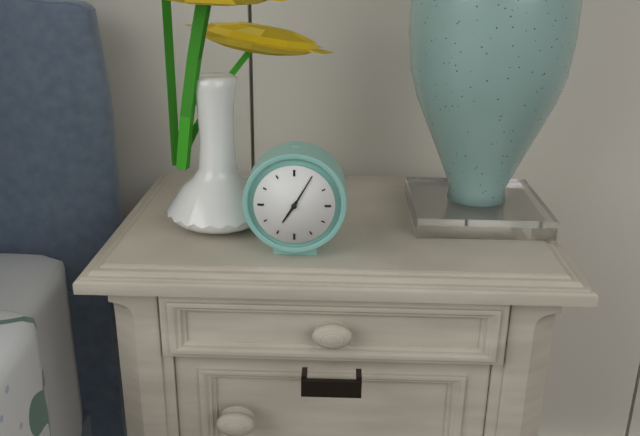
7:05
